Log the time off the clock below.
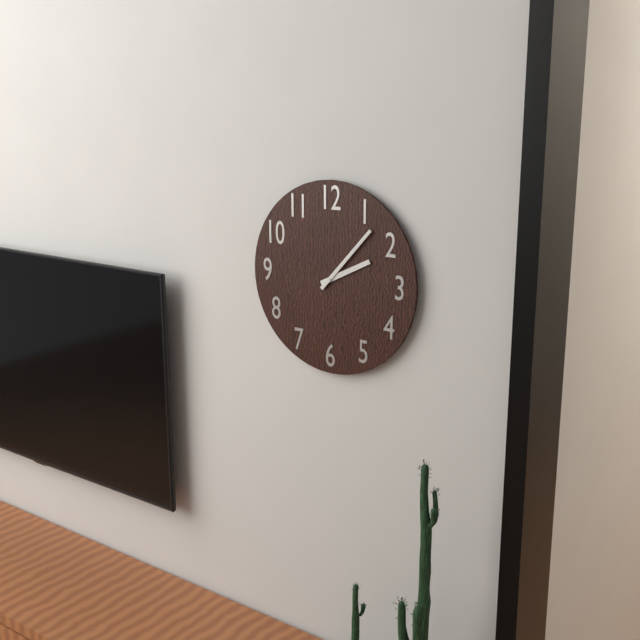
2:07
